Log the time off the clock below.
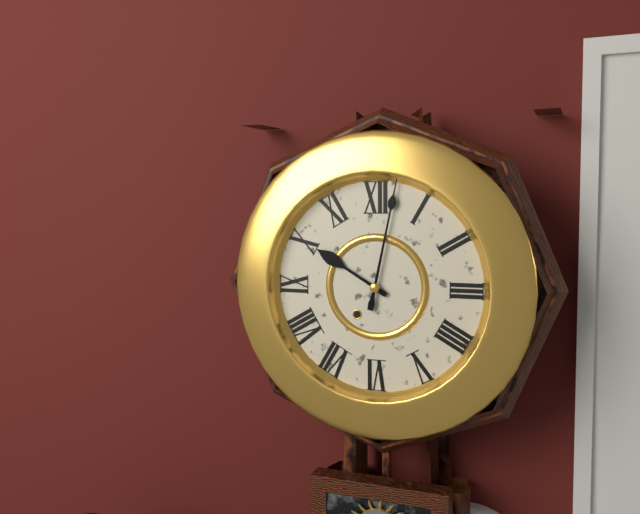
10:02
